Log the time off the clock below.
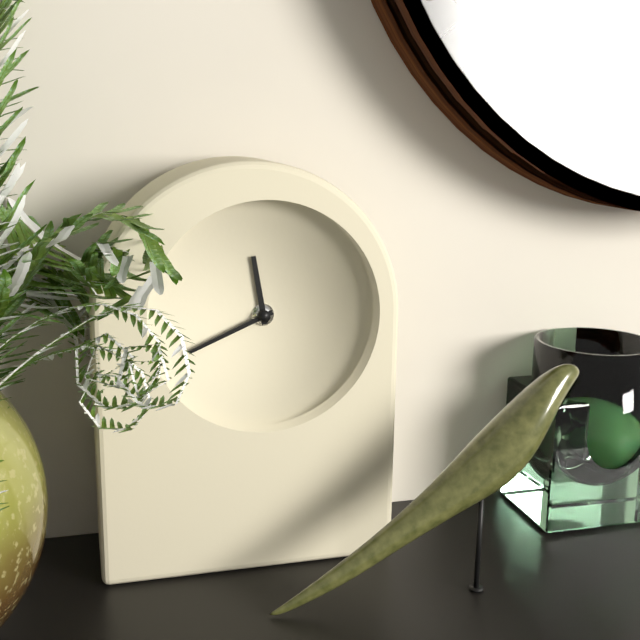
11:41
